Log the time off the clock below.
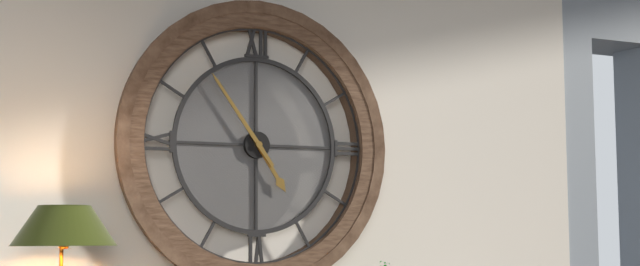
4:54
